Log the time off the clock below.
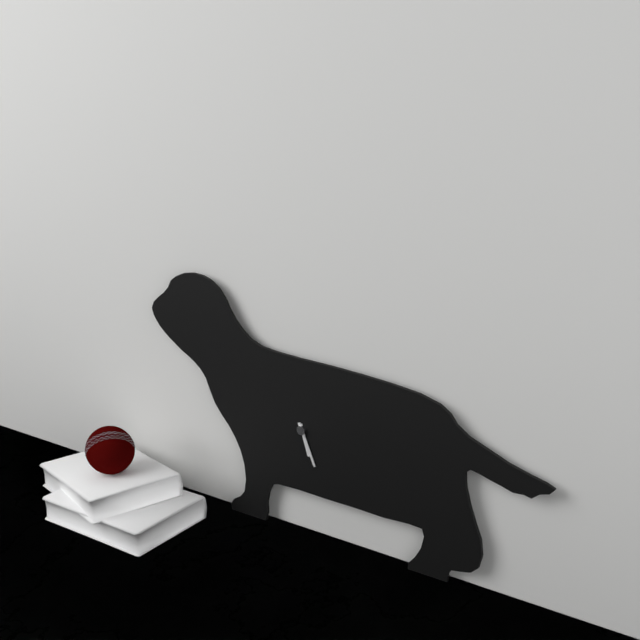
5:26
